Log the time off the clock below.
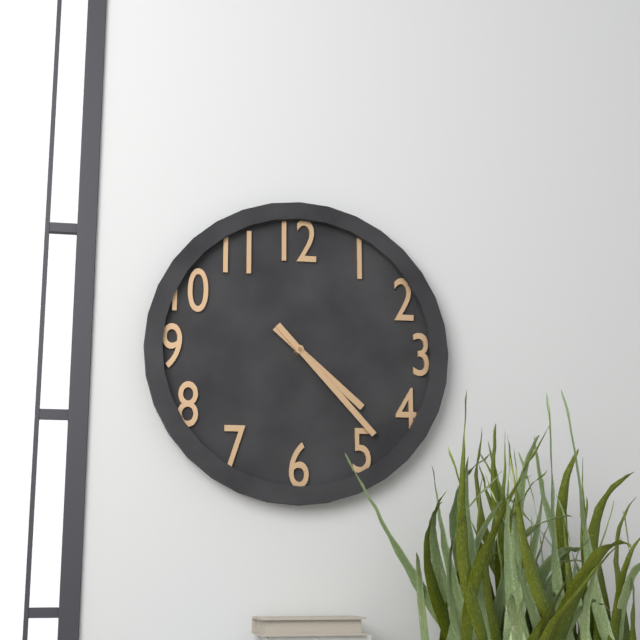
4:23
